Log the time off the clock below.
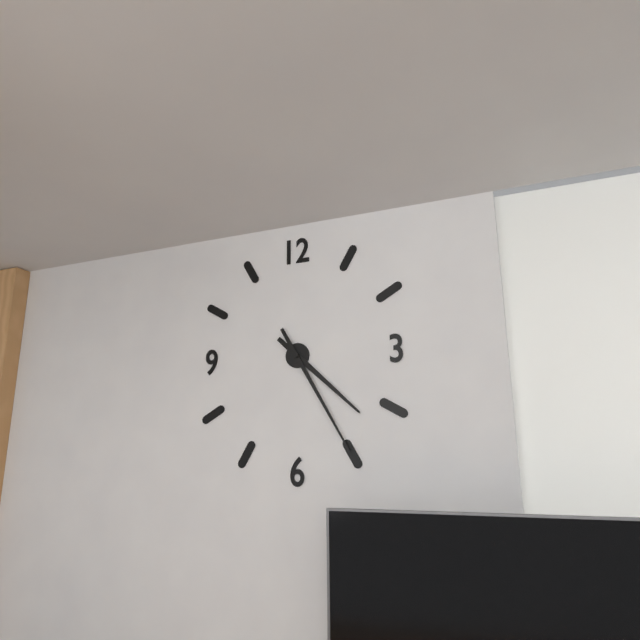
4:25
